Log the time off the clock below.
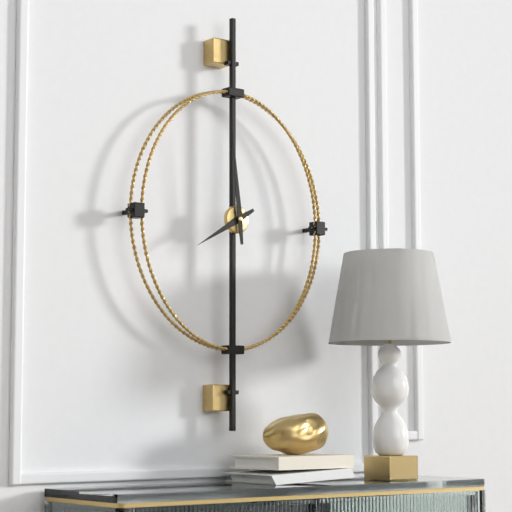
7:59
